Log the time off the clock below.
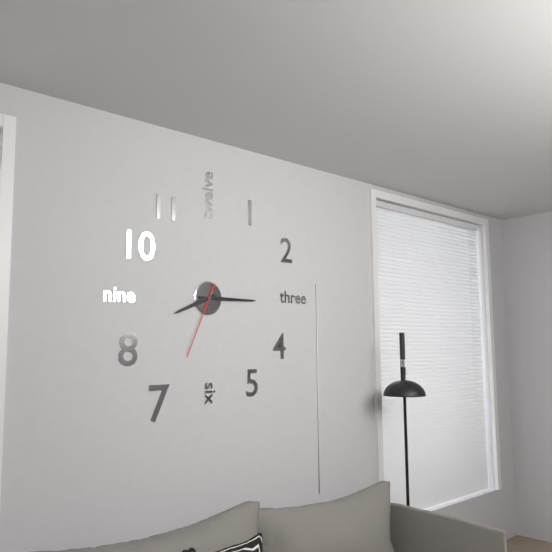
8:15:34
